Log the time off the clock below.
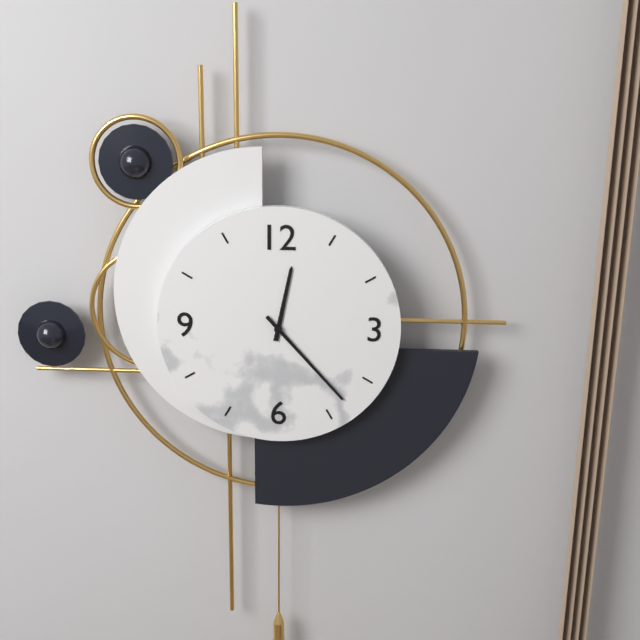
12:23
